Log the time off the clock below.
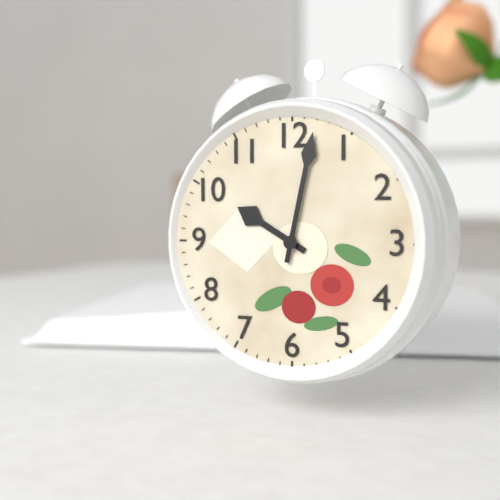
10:02
